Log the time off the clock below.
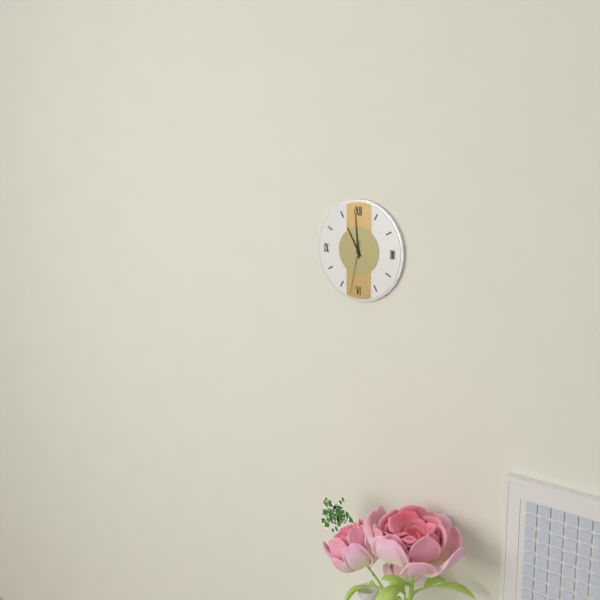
10:59:32
